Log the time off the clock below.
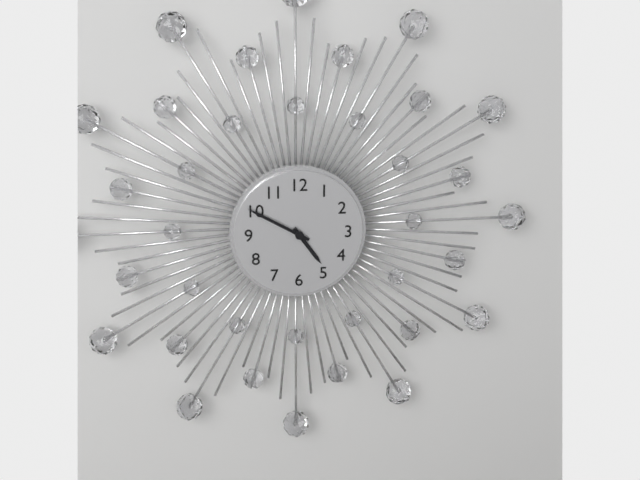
4:50
